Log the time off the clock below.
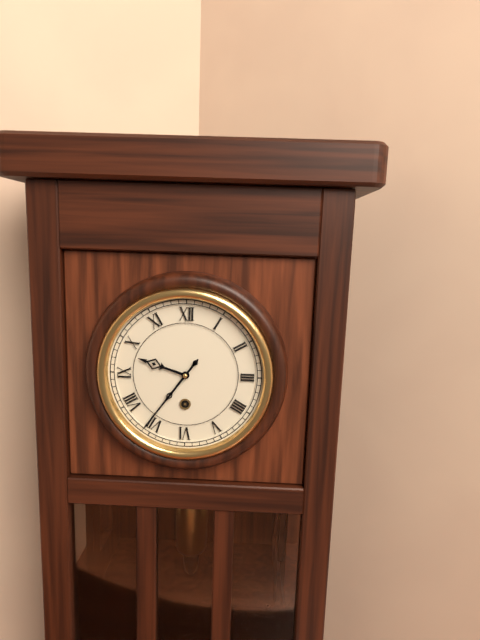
9:36
